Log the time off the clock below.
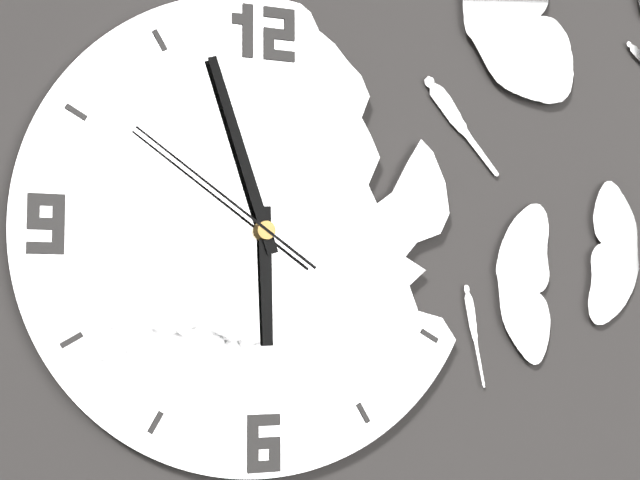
5:57:51
